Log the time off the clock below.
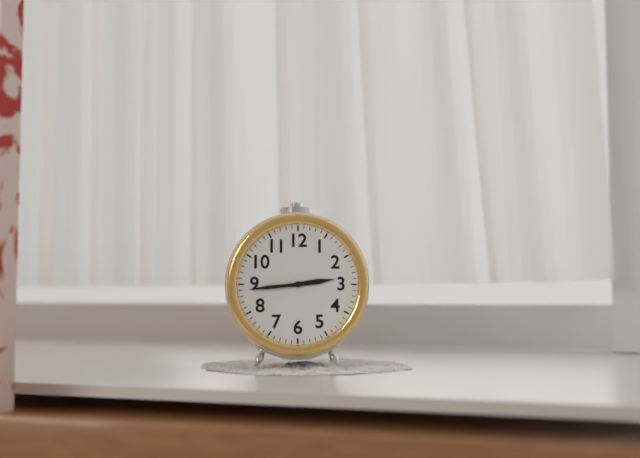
2:44
